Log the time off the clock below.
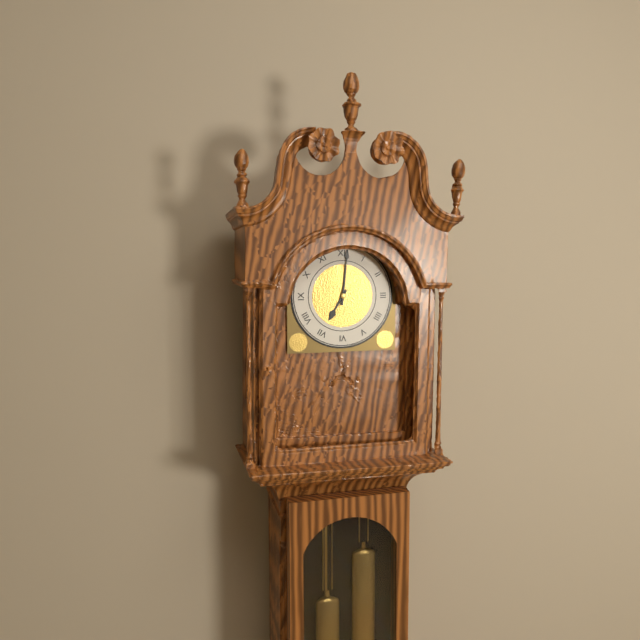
7:01
